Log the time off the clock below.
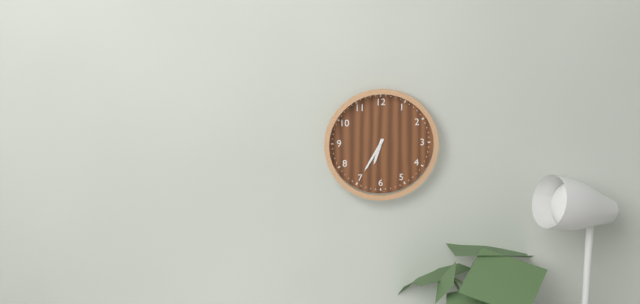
6:35
